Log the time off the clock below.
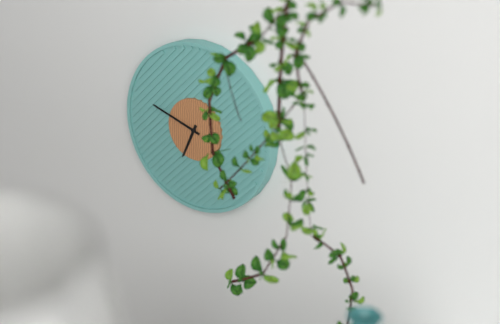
6:48
